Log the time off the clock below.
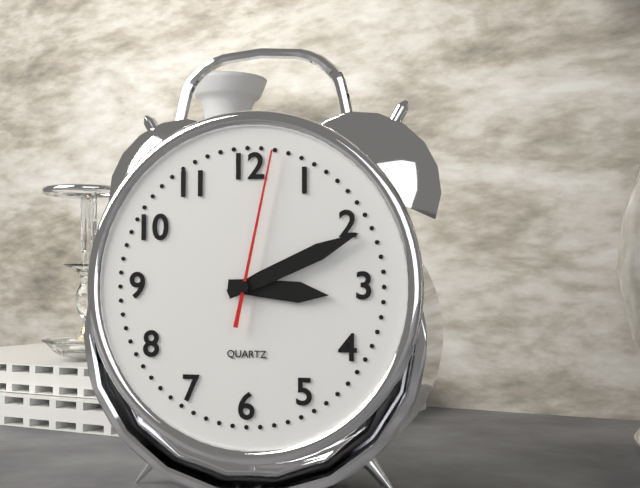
3:11:02
